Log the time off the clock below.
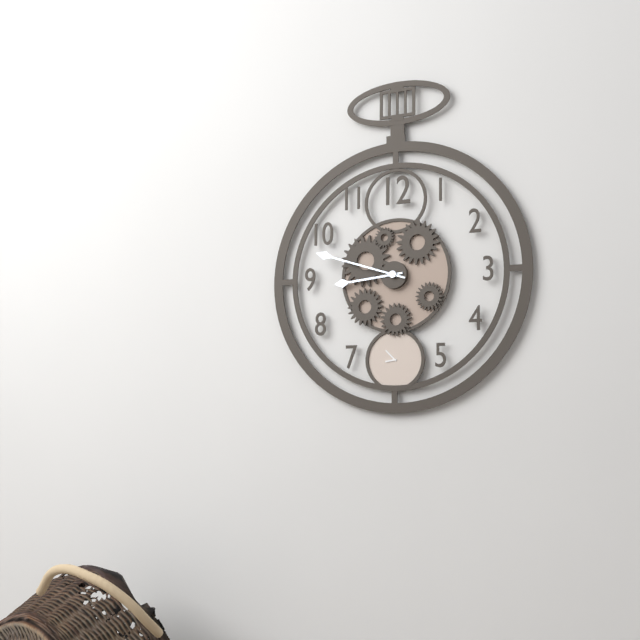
8:48
